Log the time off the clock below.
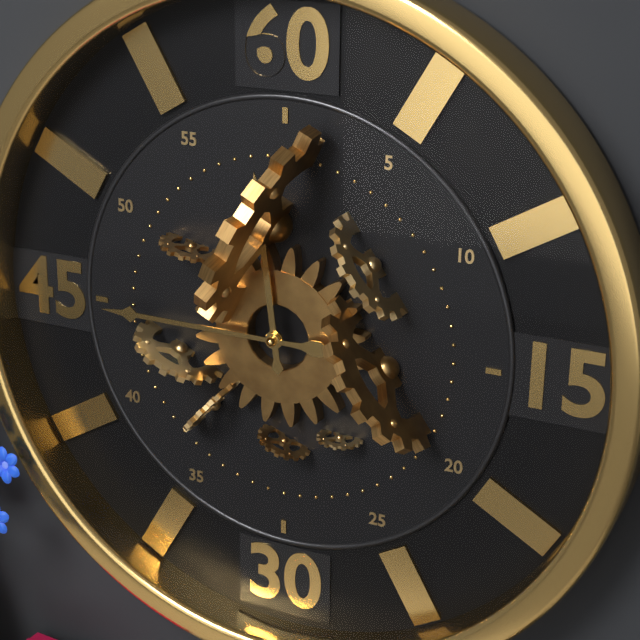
11:45
